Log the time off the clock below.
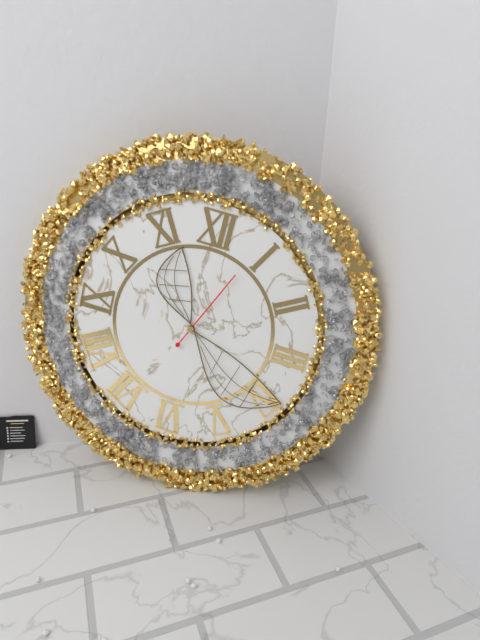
11:19:04
